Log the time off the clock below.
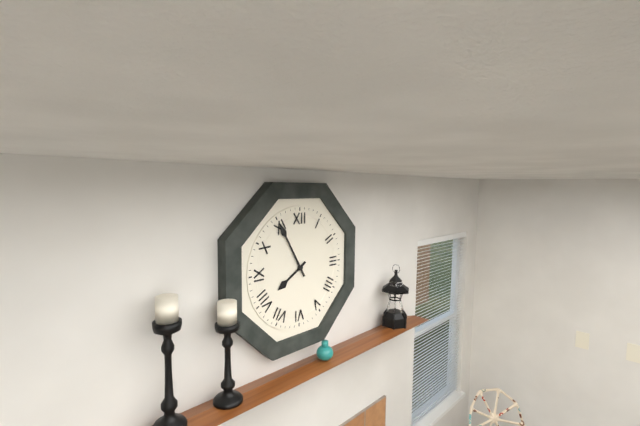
7:55
